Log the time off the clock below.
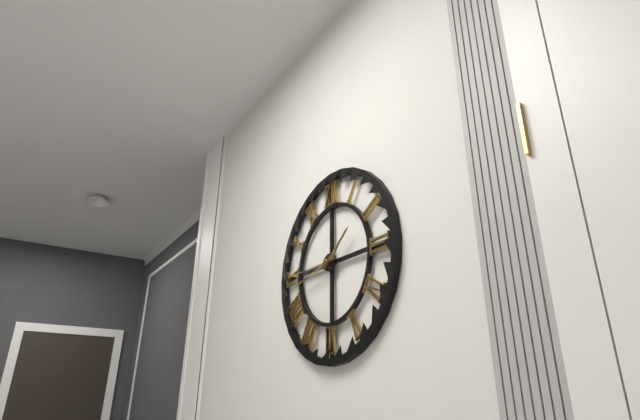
1:43:45
